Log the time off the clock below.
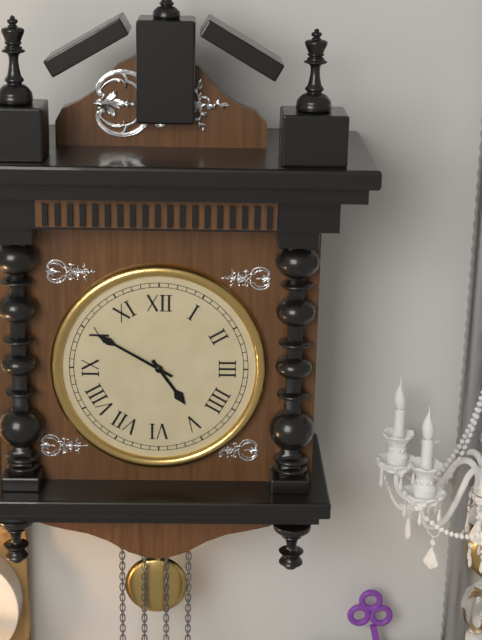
4:50
